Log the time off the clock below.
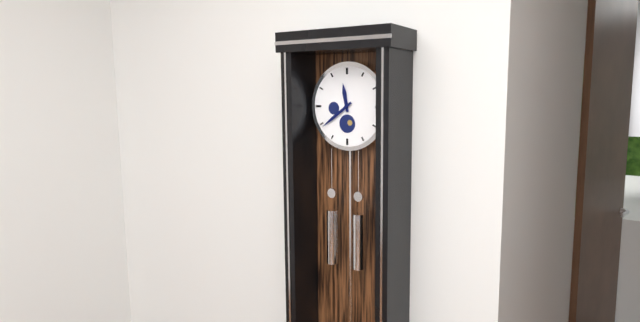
11:39
